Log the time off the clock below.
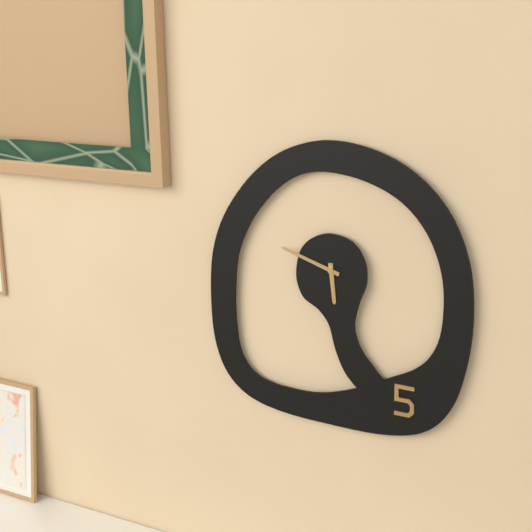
5:48
